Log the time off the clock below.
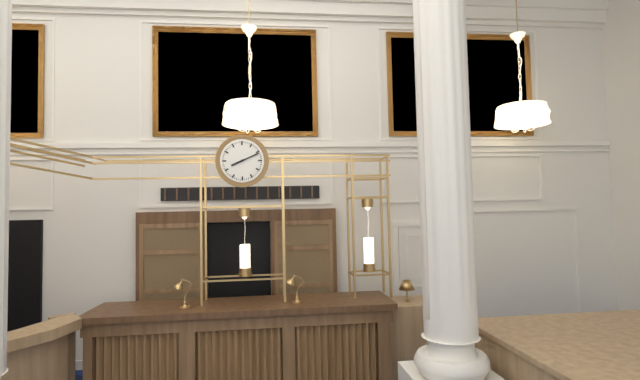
8:11
